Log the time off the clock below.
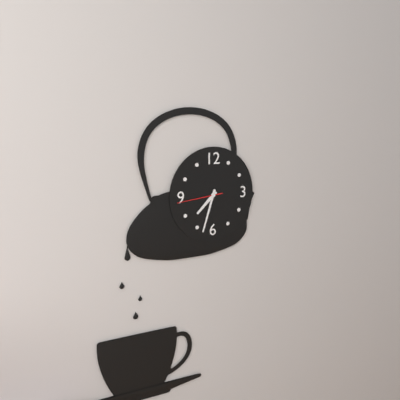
7:33
